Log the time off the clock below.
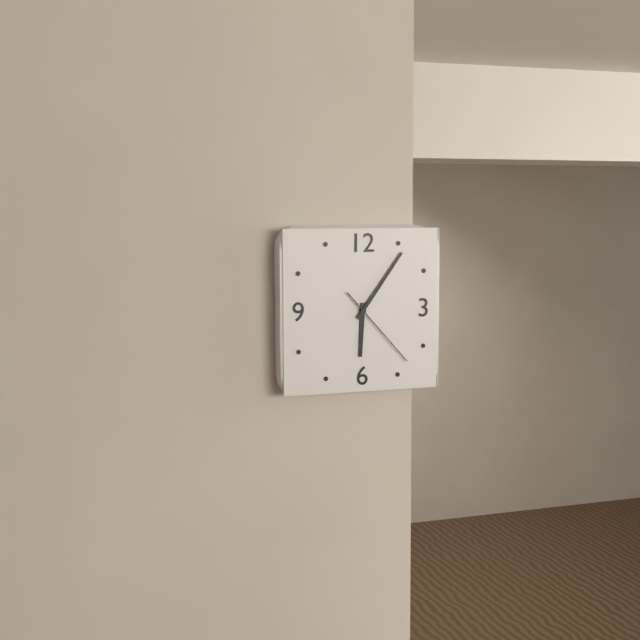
6:06:23
